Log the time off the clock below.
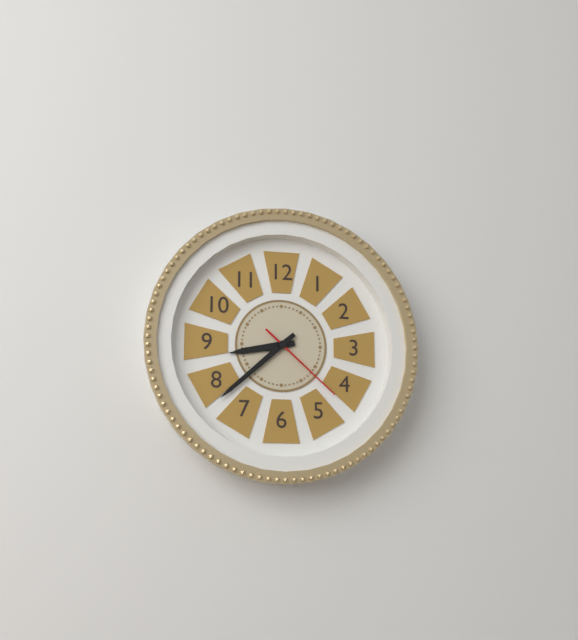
8:38:22
